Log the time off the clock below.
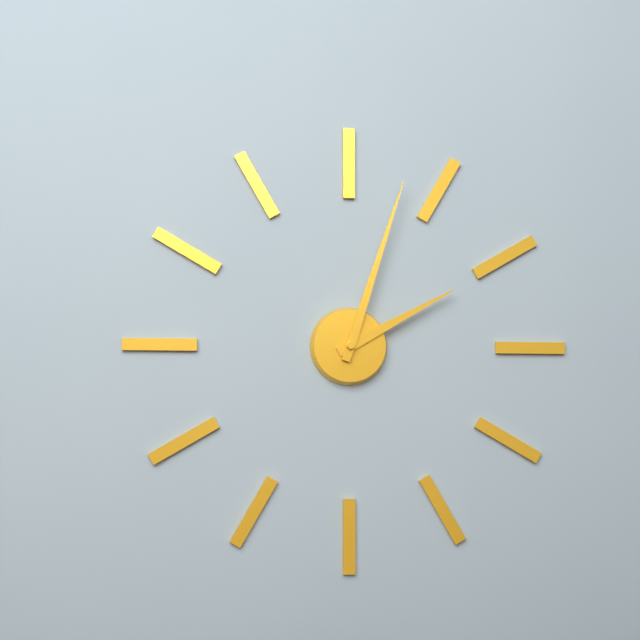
2:03
